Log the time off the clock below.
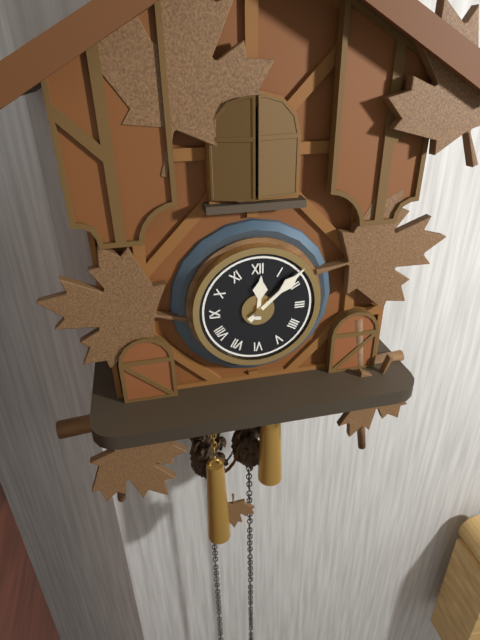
12:08
